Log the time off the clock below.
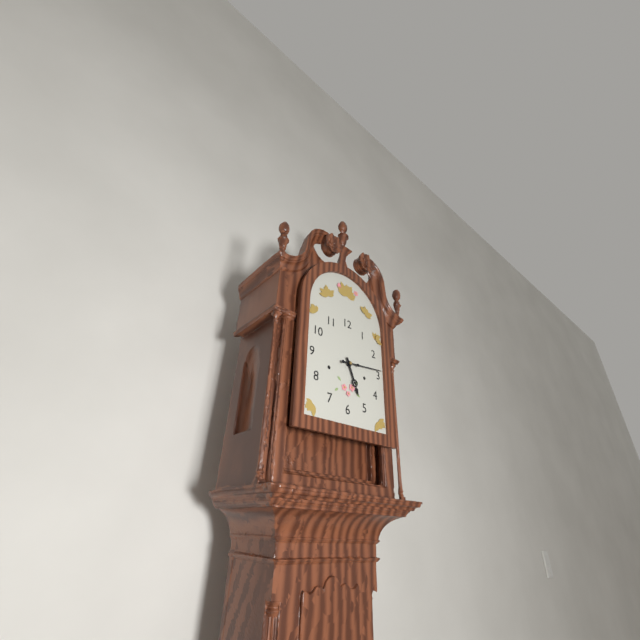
5:14
